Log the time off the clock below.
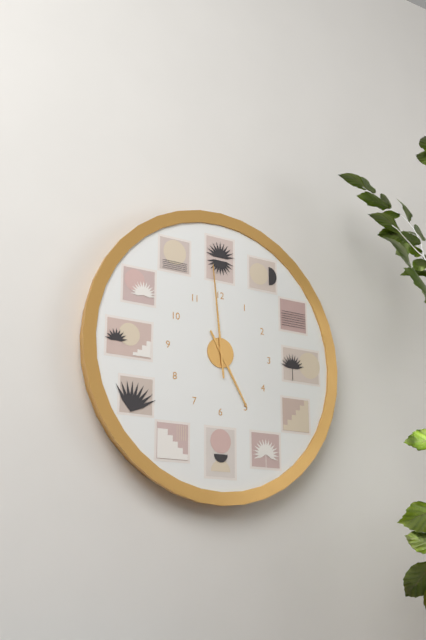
4:59
